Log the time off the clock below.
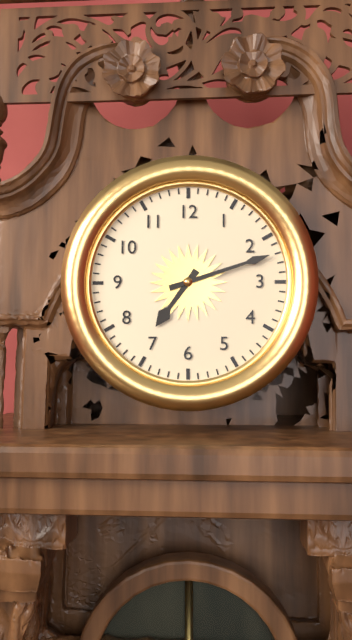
7:12
